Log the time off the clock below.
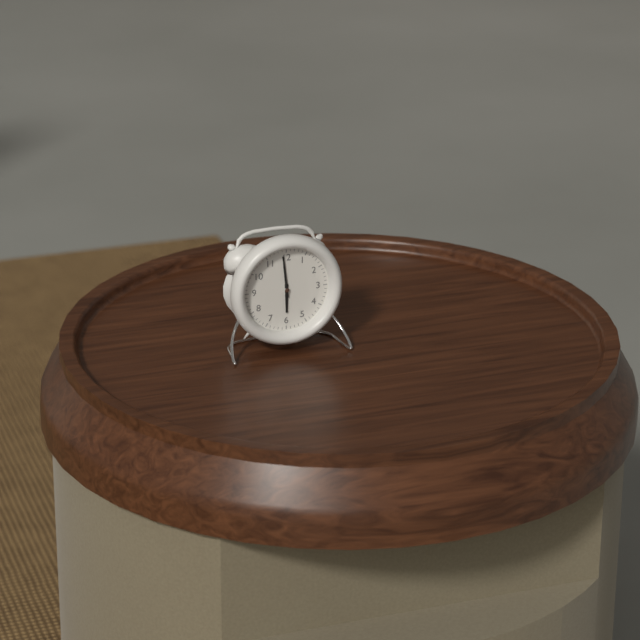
5:59
